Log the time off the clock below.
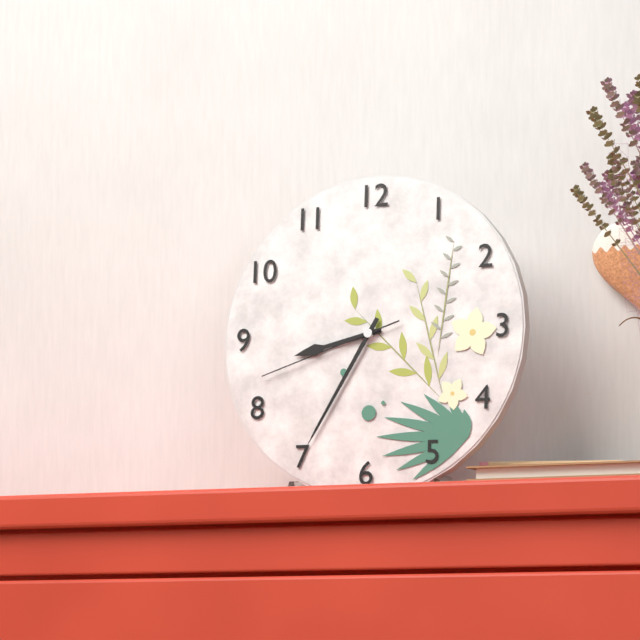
8:35:42
